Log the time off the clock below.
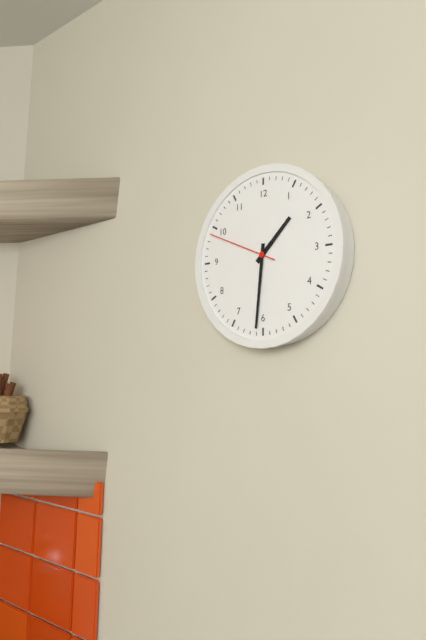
1:31:49
